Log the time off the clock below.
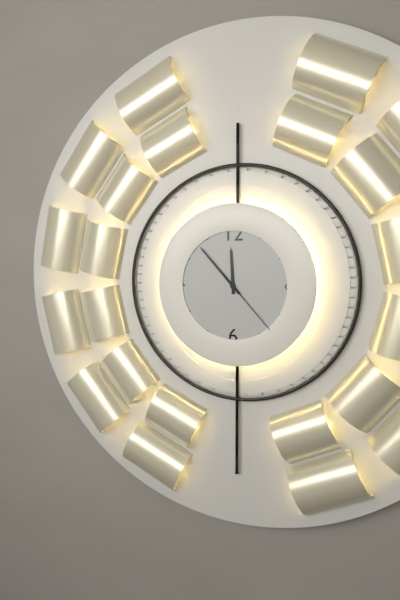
11:53:23
